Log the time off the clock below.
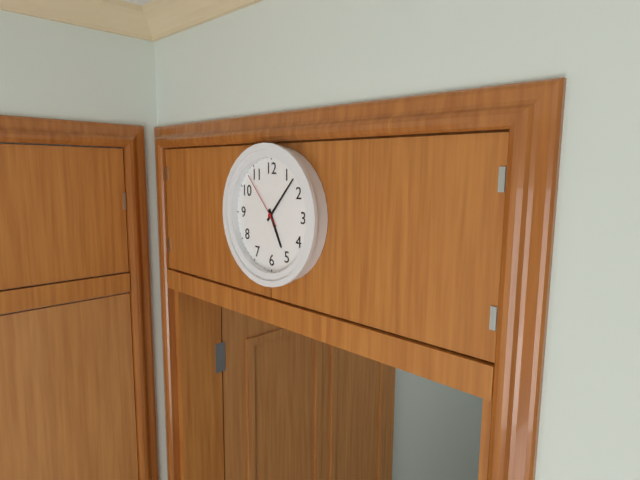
5:07:53
